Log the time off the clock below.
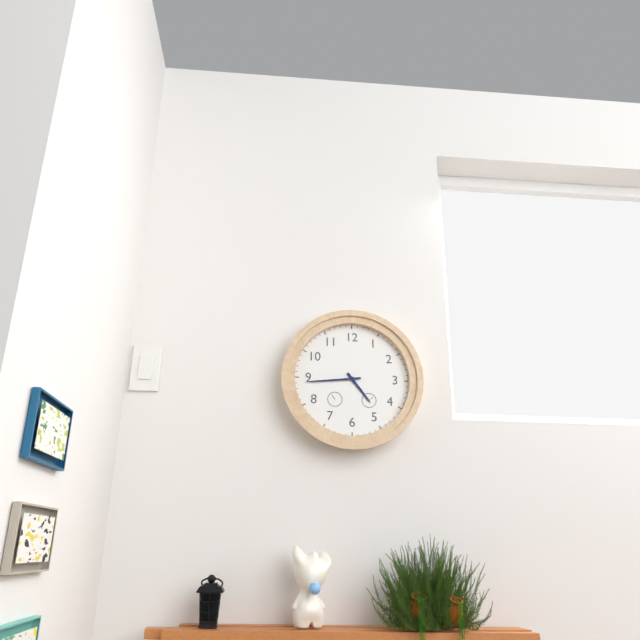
4:44
